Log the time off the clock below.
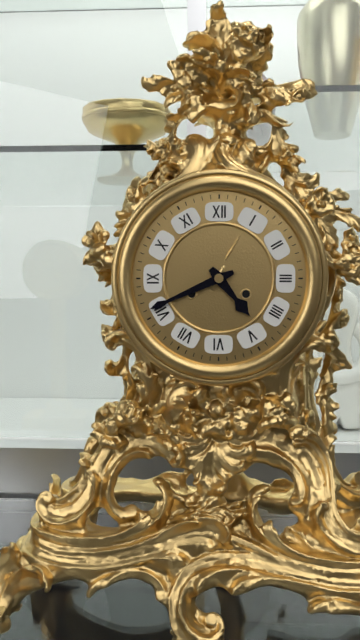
4:41
